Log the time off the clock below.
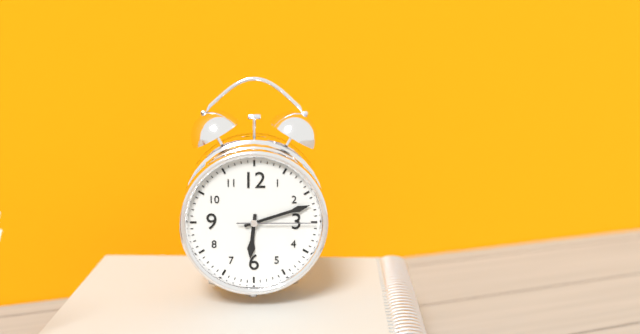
6:12:15
